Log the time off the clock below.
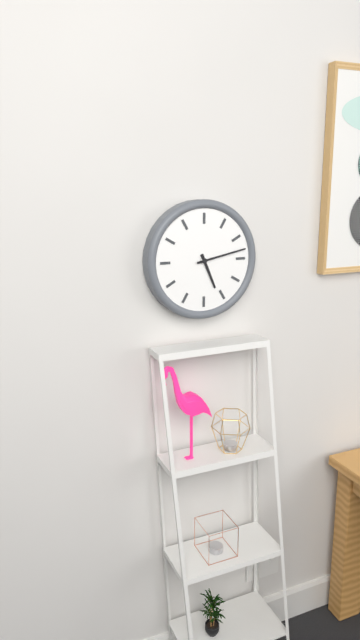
5:13
